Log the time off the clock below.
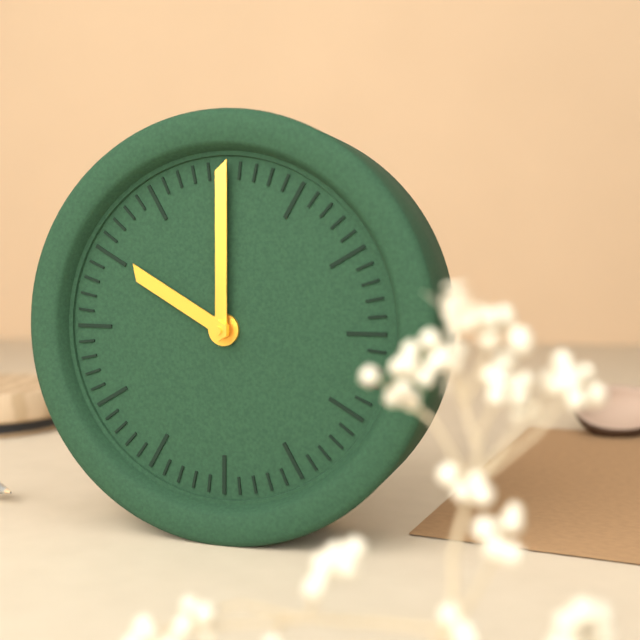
10:00
